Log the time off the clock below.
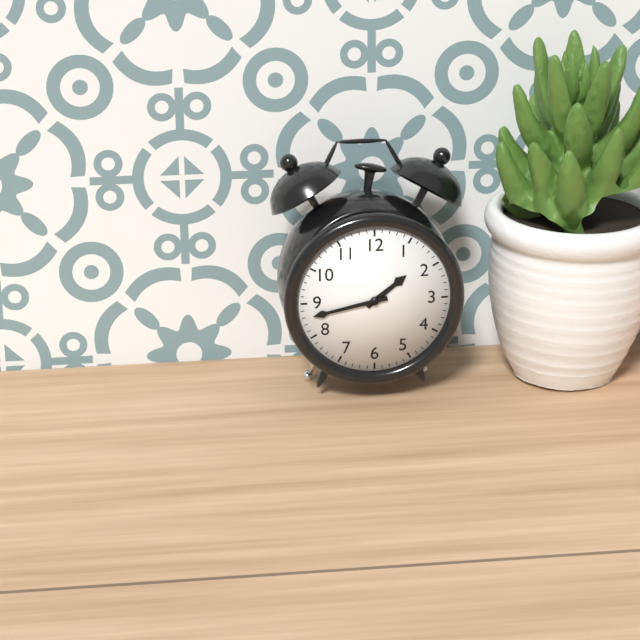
1:43
